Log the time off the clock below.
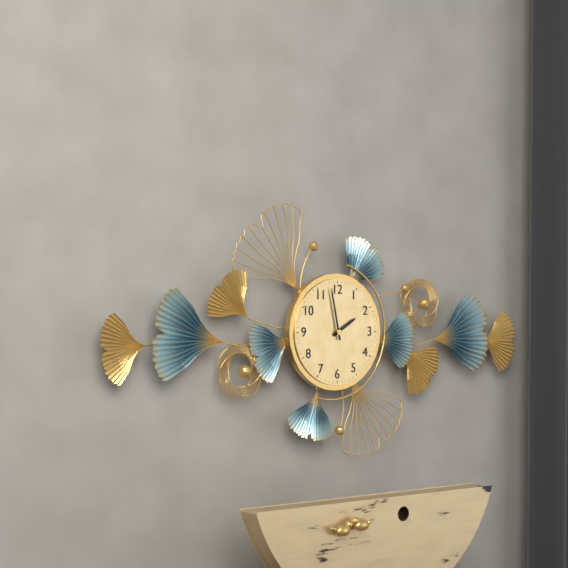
1:58
